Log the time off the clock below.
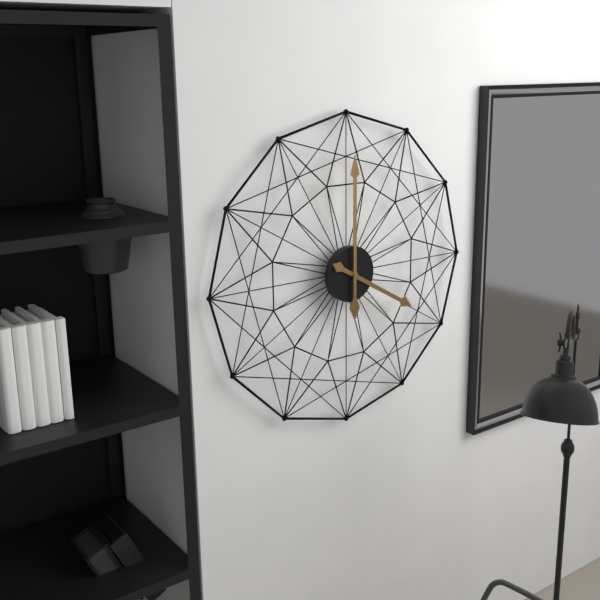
4:00
